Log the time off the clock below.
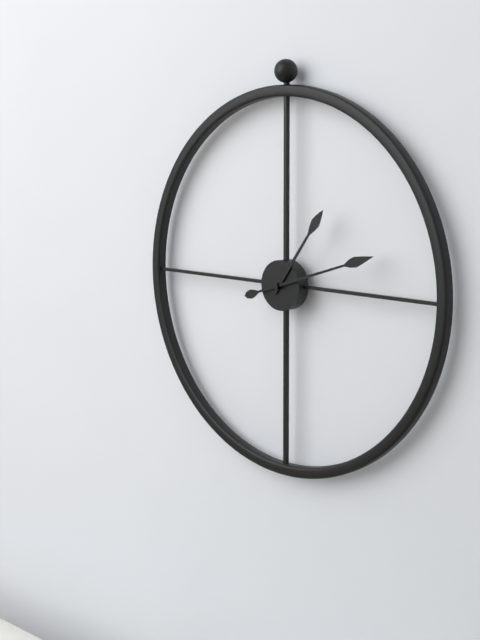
1:12
